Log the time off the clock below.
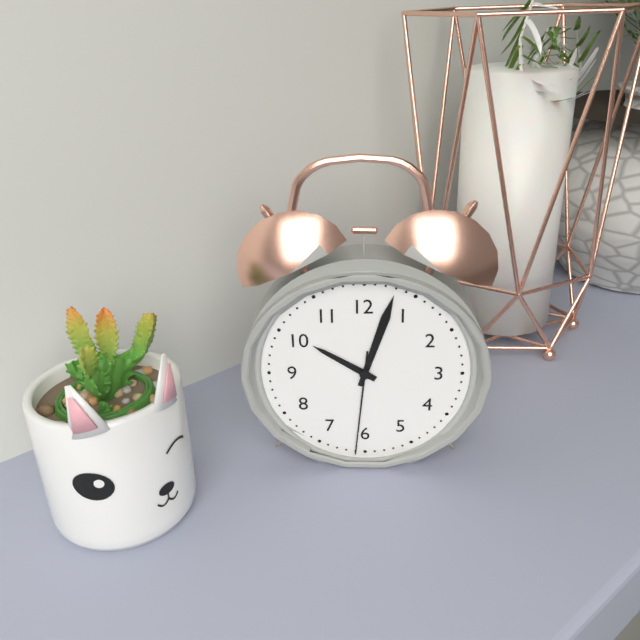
10:03:31
